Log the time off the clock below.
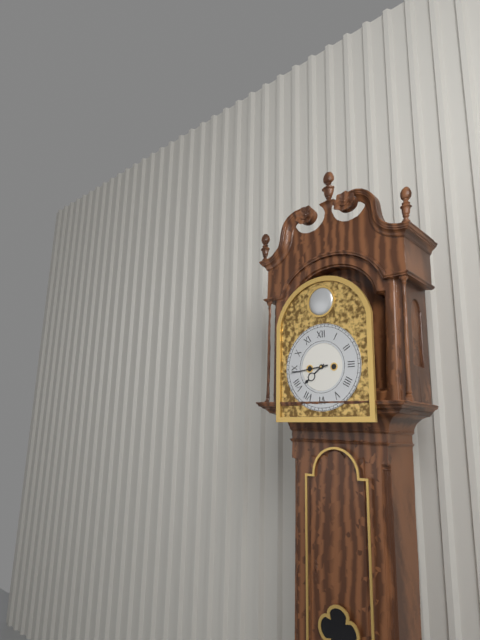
7:44
